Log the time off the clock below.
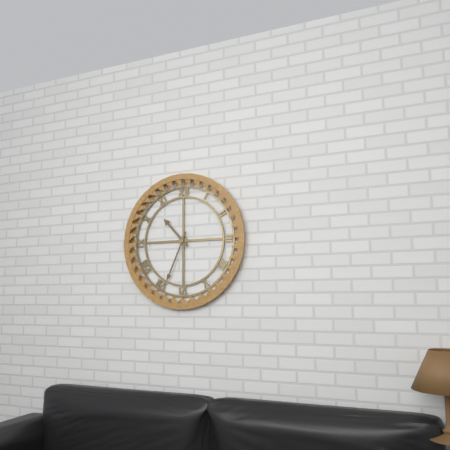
10:34
